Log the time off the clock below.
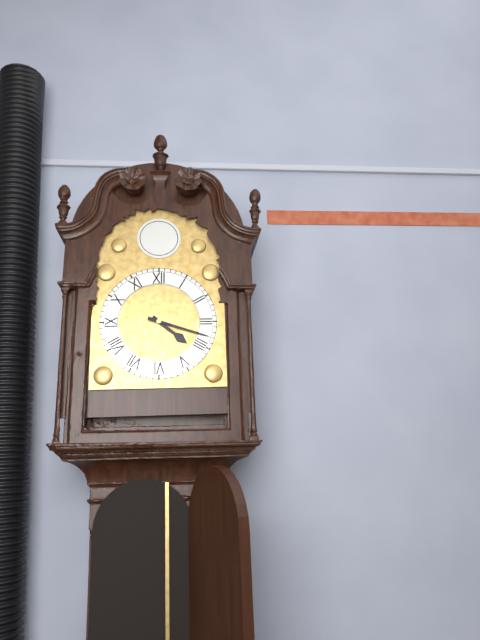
4:18
